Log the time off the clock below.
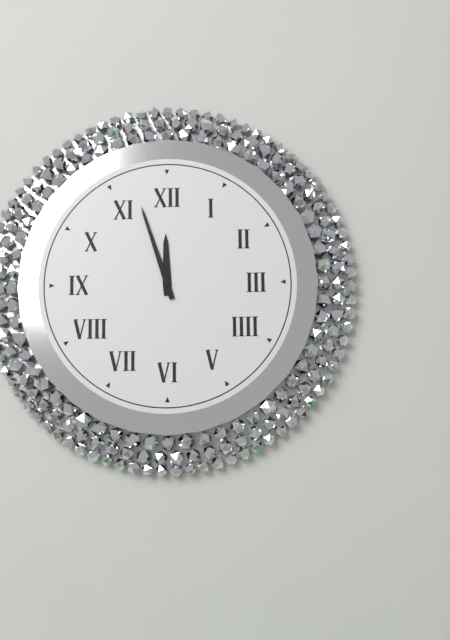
11:57
